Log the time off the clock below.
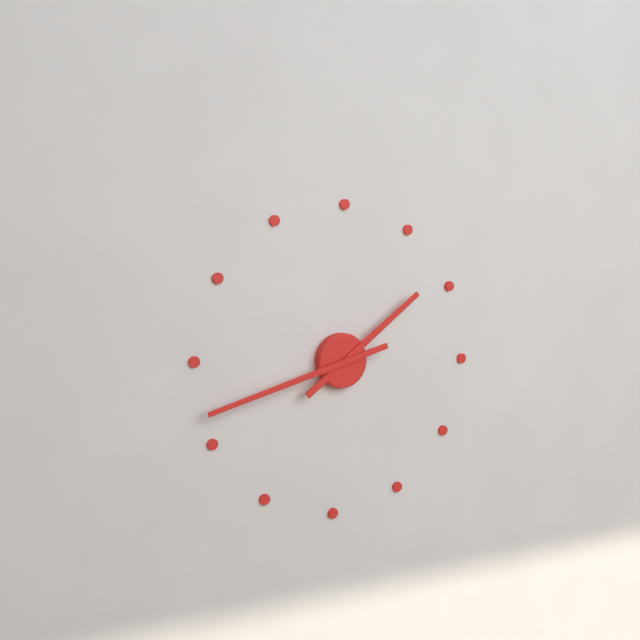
1:42
